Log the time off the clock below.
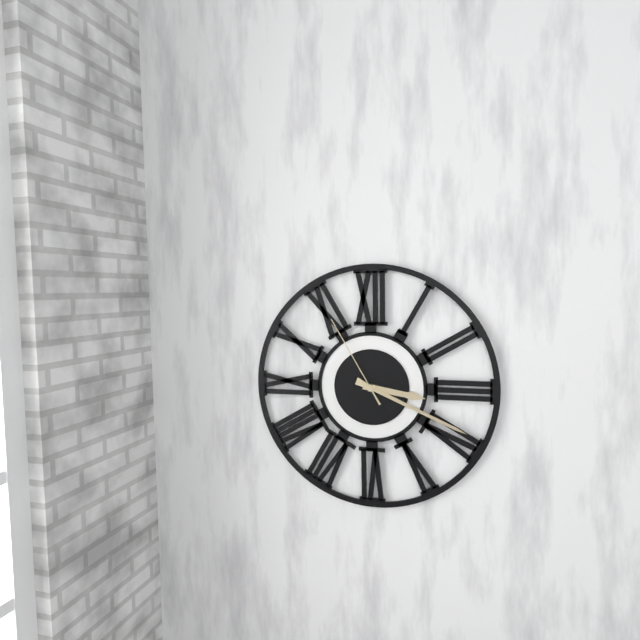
3:19:55
